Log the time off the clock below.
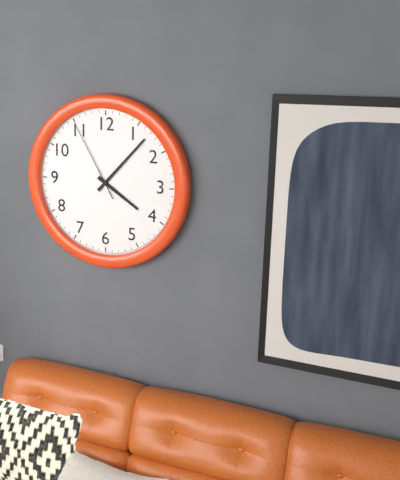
4:07:55
